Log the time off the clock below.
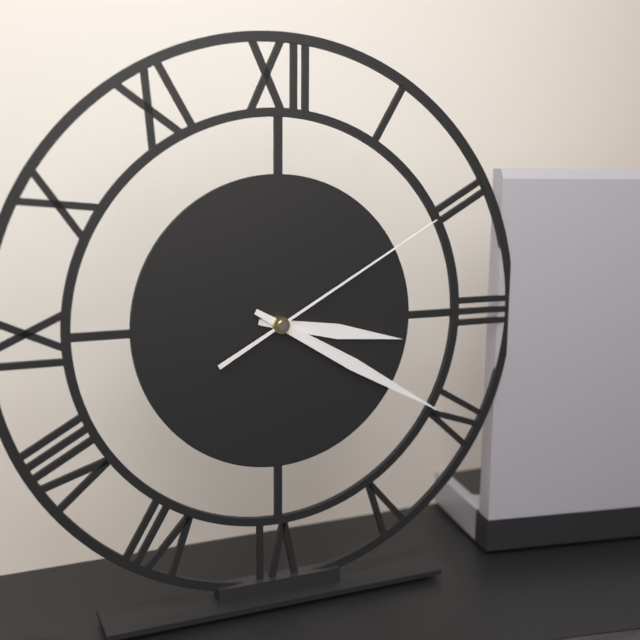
3:20:10
